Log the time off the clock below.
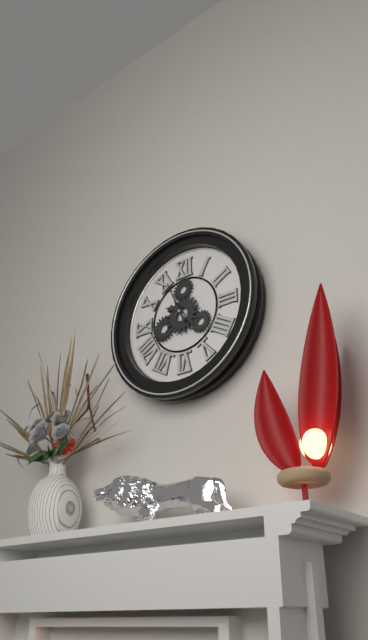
9:56
